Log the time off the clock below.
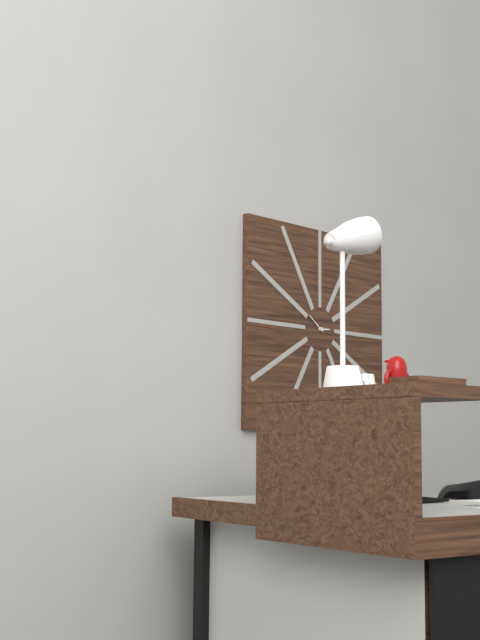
2:51
